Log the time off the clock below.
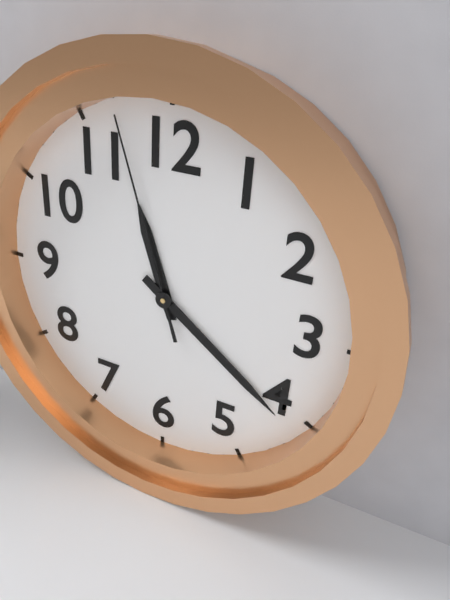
11:21:57
